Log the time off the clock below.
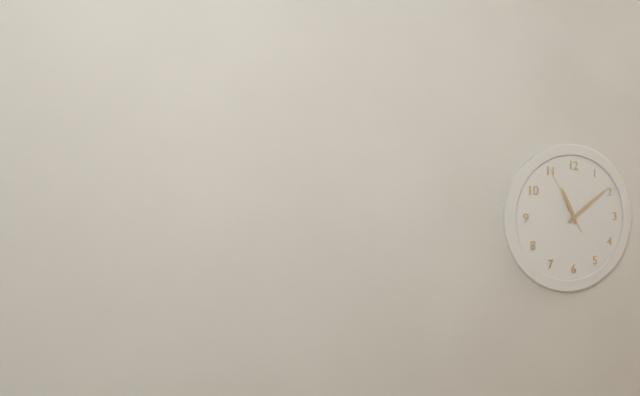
11:09:55
